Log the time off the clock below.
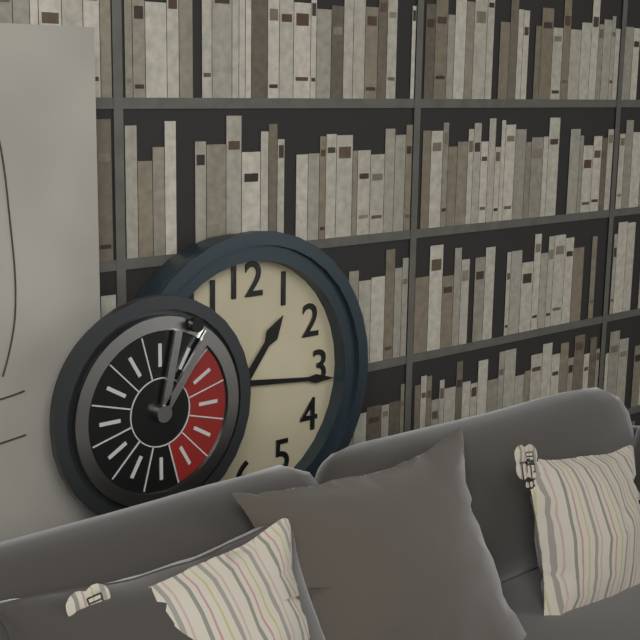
1:16
